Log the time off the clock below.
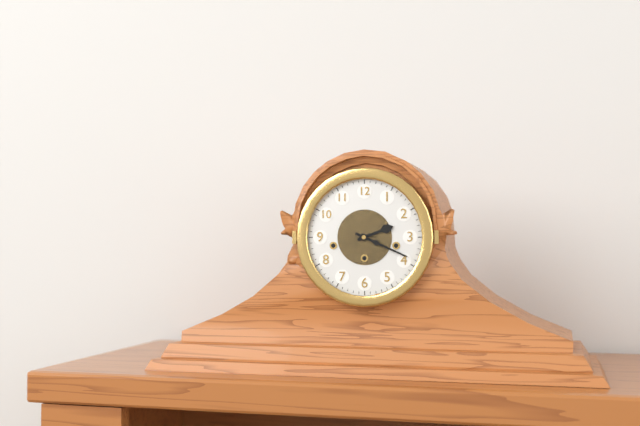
2:19
